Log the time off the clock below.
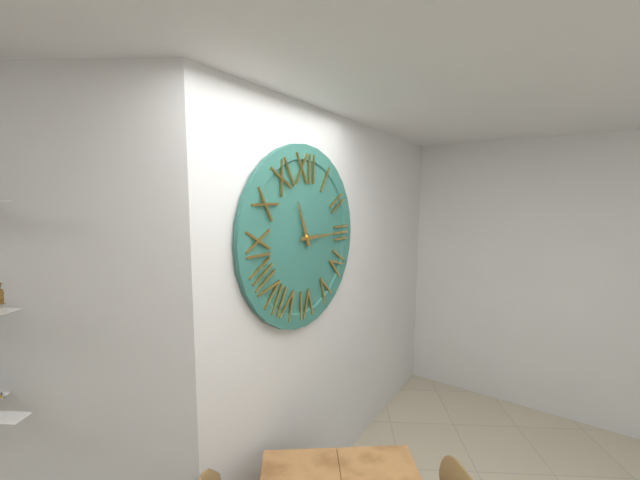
11:15
